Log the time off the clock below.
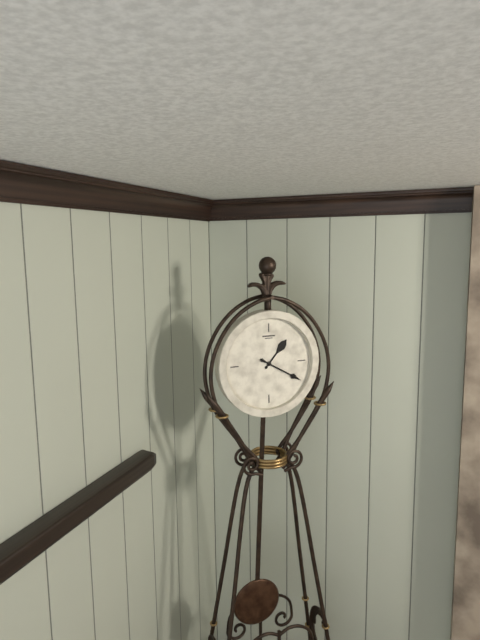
1:20
